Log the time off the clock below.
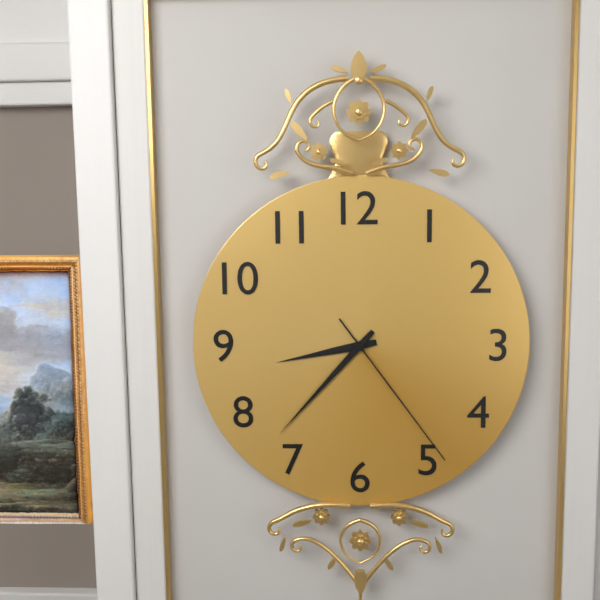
8:37:24
